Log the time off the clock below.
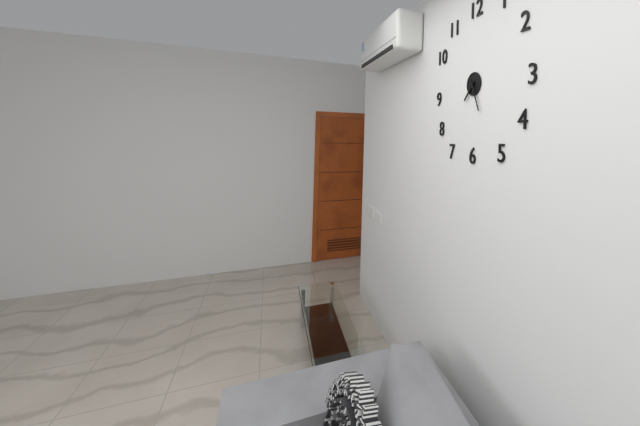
7:26
